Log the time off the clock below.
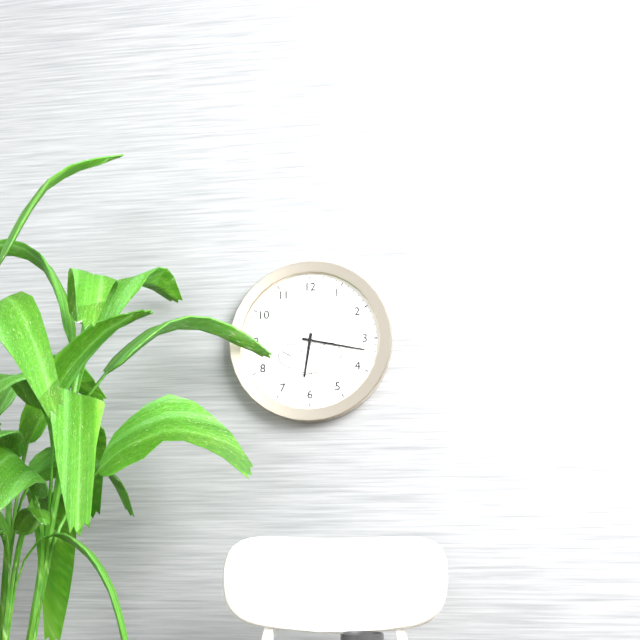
6:17:54
